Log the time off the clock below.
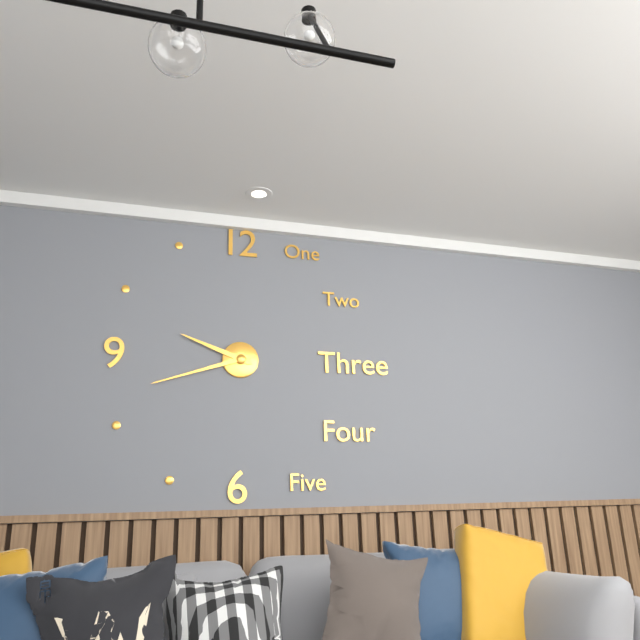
9:42
